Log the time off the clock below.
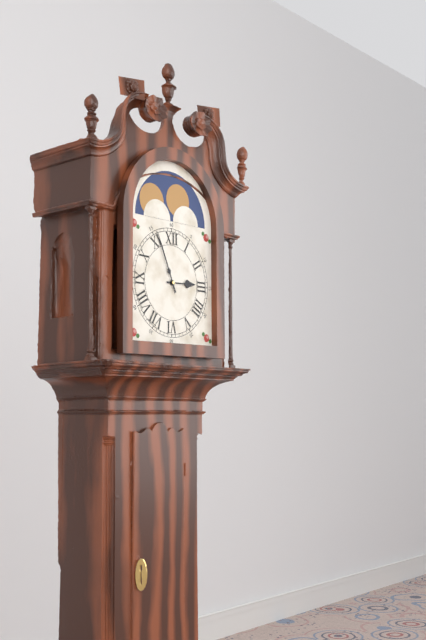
2:56
